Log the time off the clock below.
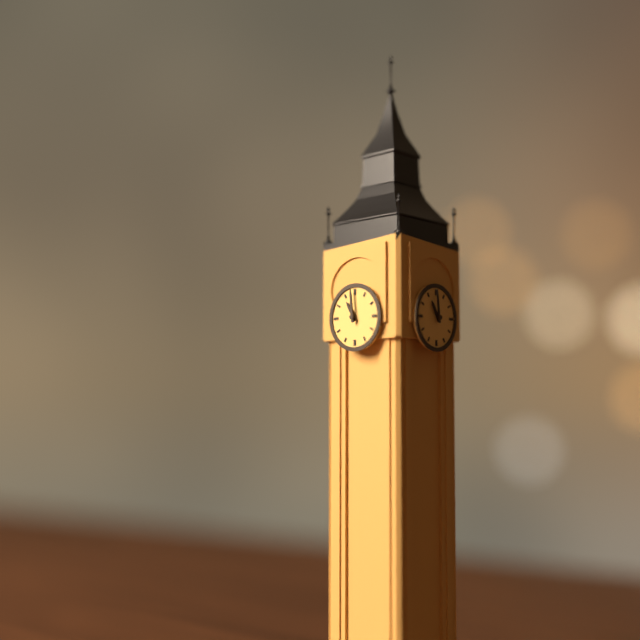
10:59
